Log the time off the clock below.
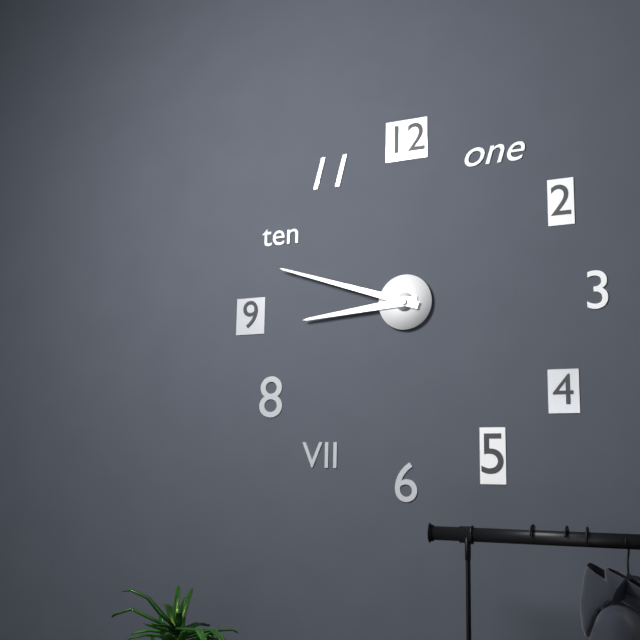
8:48
